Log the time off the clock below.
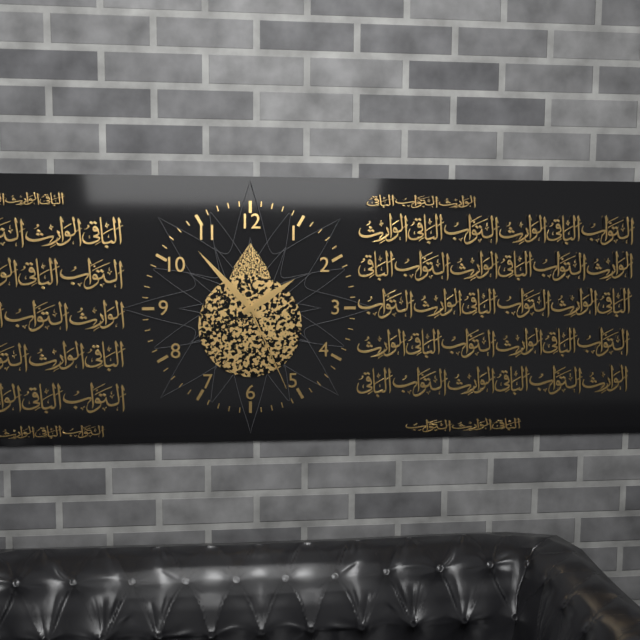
1:53:26
